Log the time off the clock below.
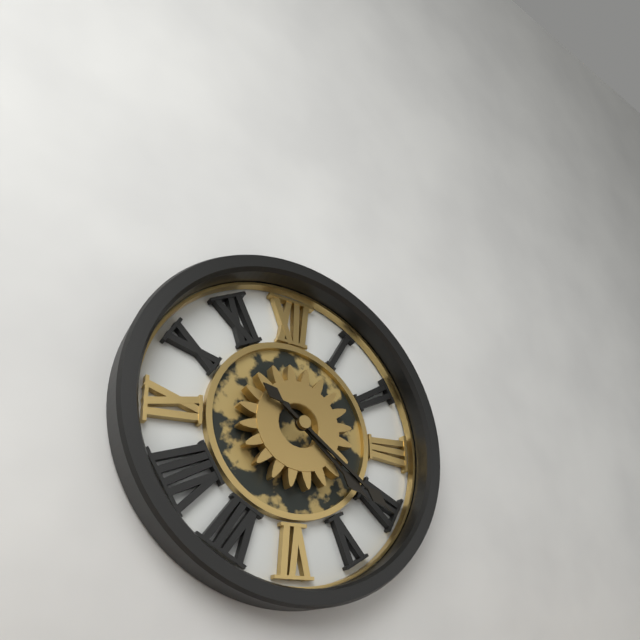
4:21
